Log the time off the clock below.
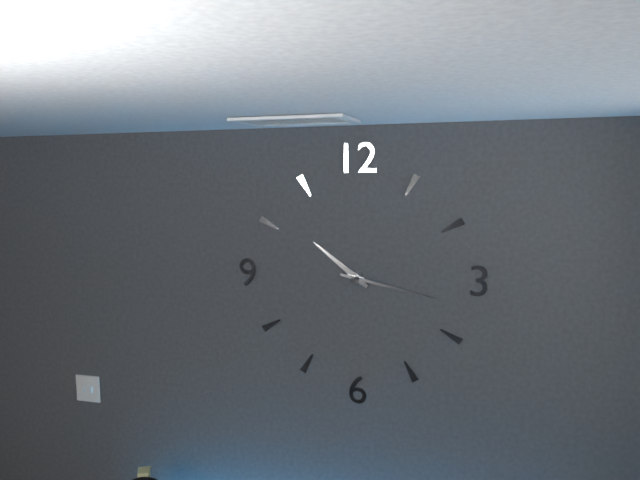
10:17
